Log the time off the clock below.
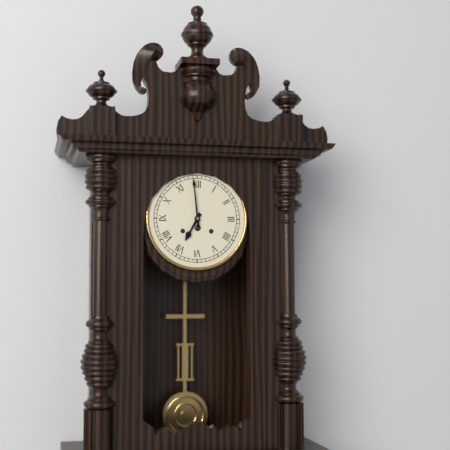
6:59
